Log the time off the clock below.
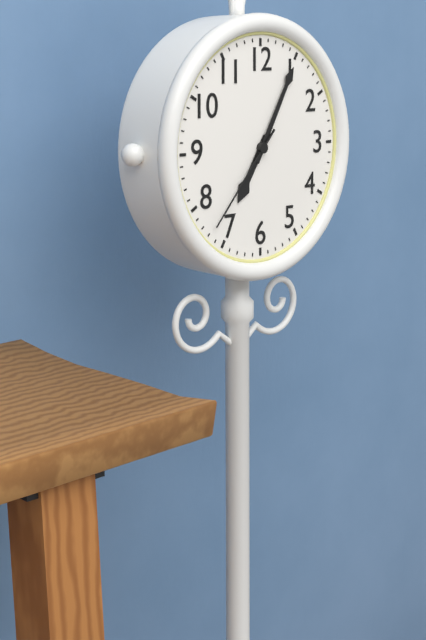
7:05:37
